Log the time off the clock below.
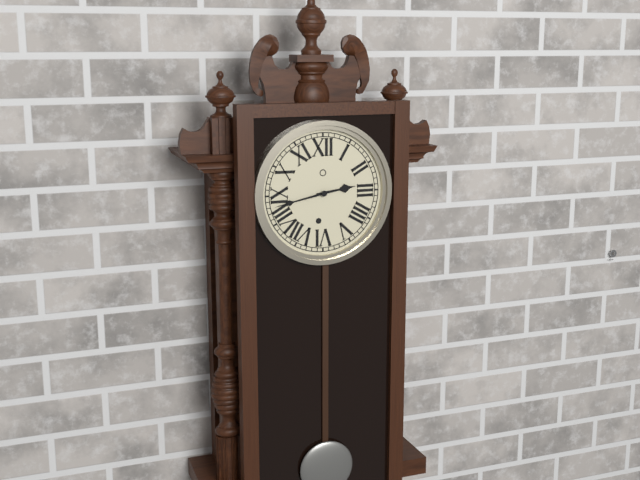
2:43
